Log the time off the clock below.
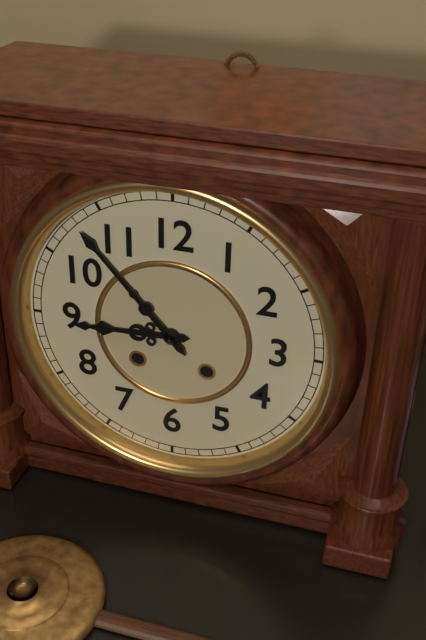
8:53
